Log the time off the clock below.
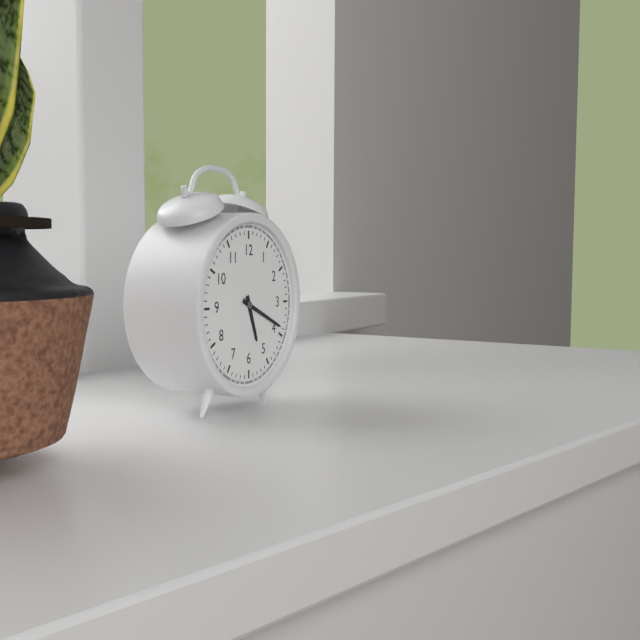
5:19
